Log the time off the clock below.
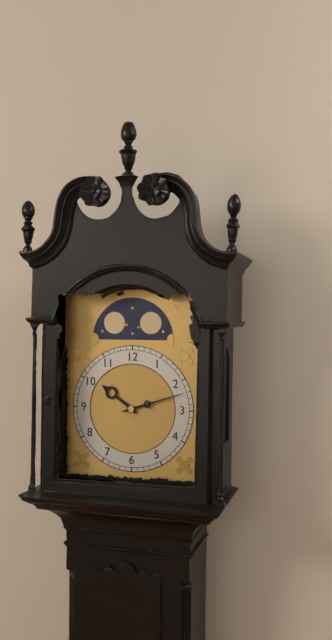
10:12
